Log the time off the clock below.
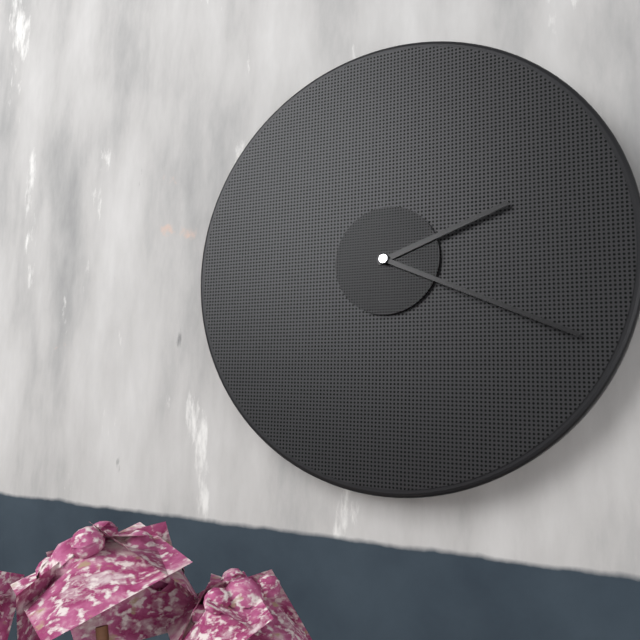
2:19
